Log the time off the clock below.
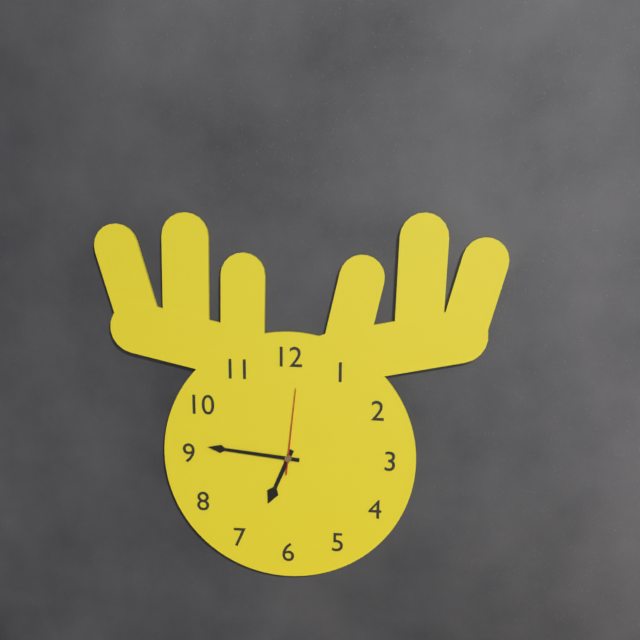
6:46:01
